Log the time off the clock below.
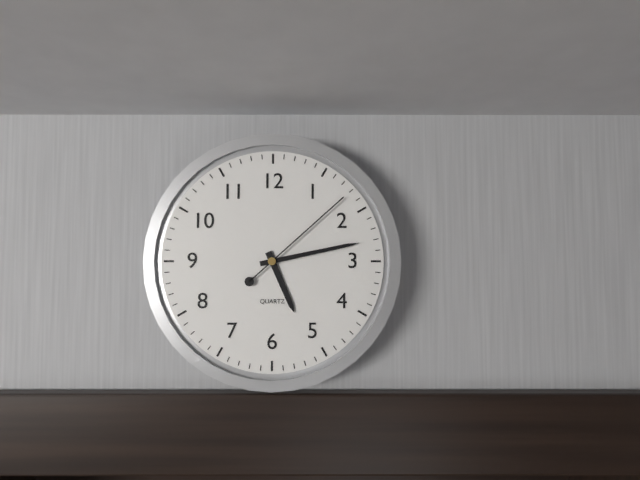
5:13:08
